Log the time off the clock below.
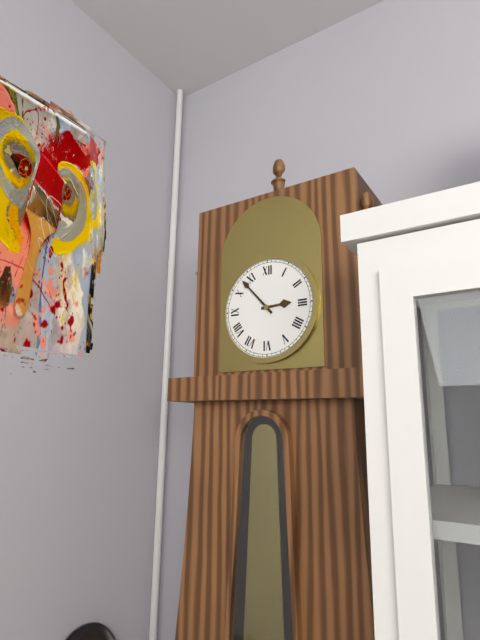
2:53
